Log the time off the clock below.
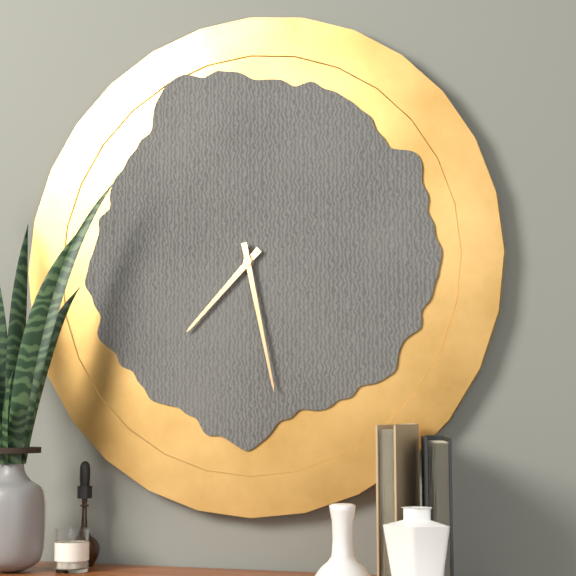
7:28
